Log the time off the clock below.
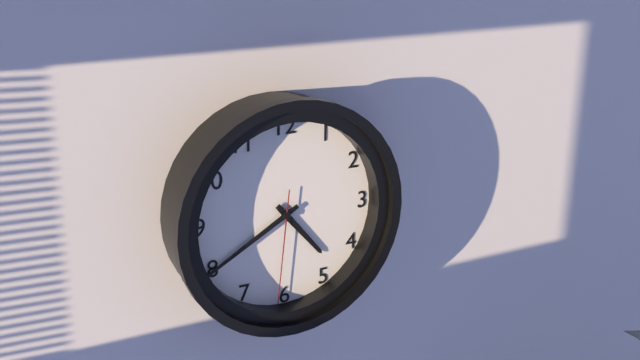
4:40:31
